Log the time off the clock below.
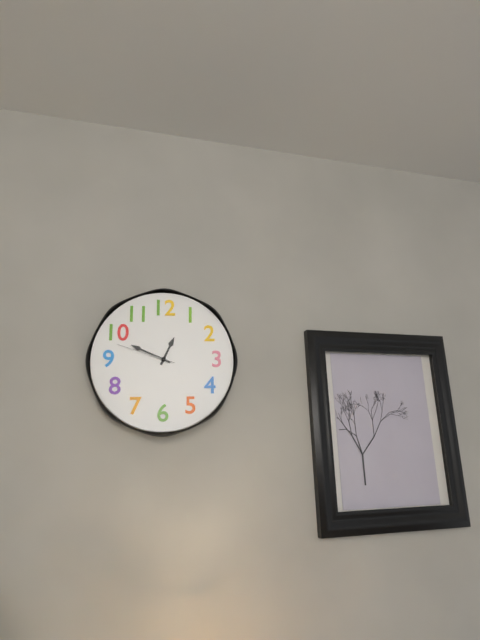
12:49:48
